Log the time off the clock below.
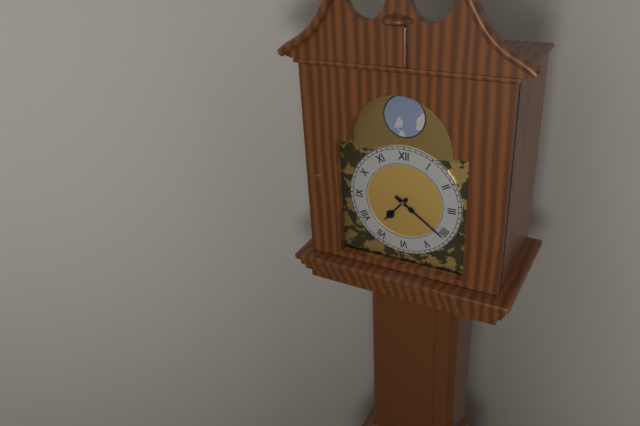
7:21
